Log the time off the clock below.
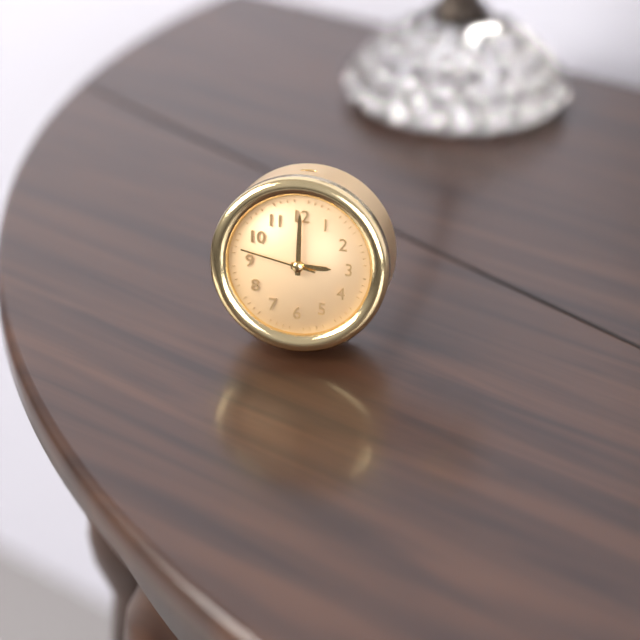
3:00:47
